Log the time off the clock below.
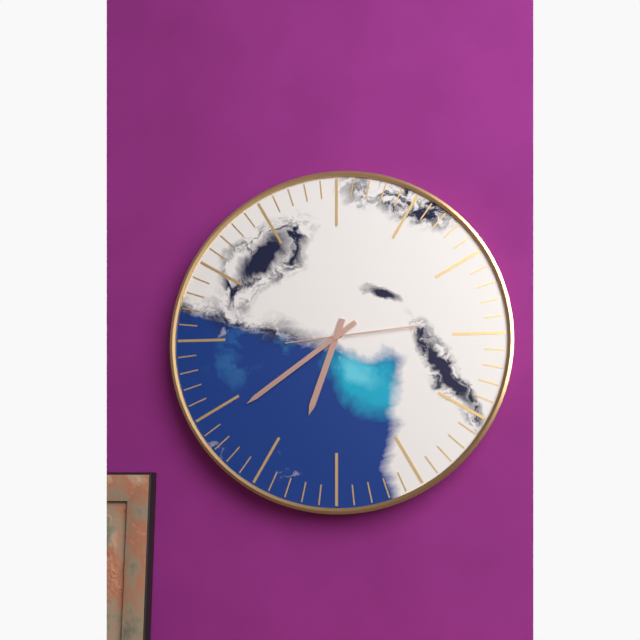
6:39:14
